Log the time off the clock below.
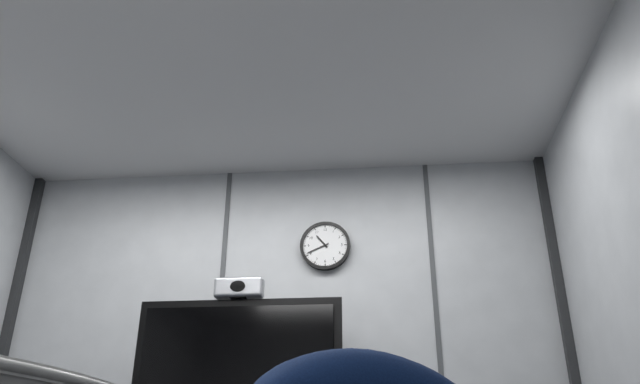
10:41
